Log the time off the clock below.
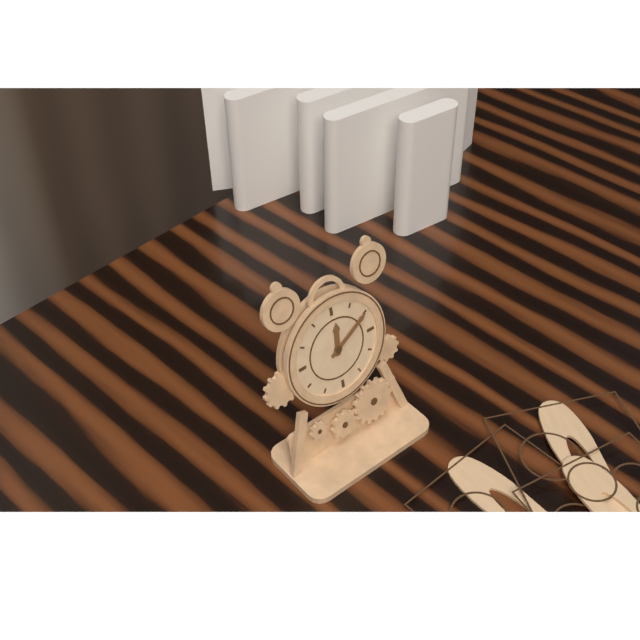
12:10
